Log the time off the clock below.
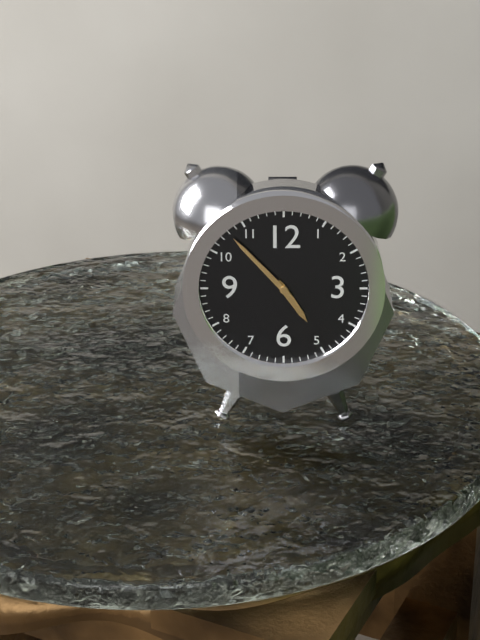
4:53
